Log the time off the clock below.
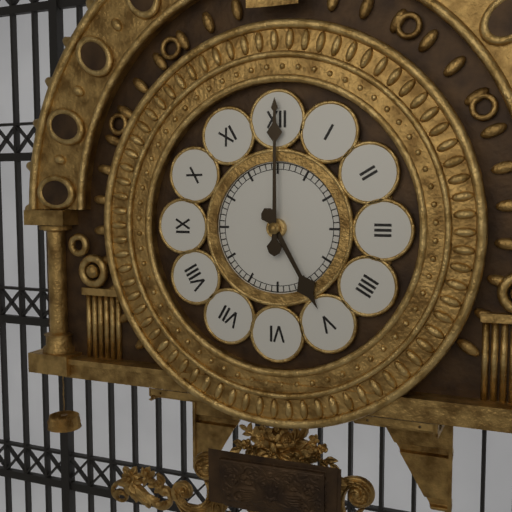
5:00
